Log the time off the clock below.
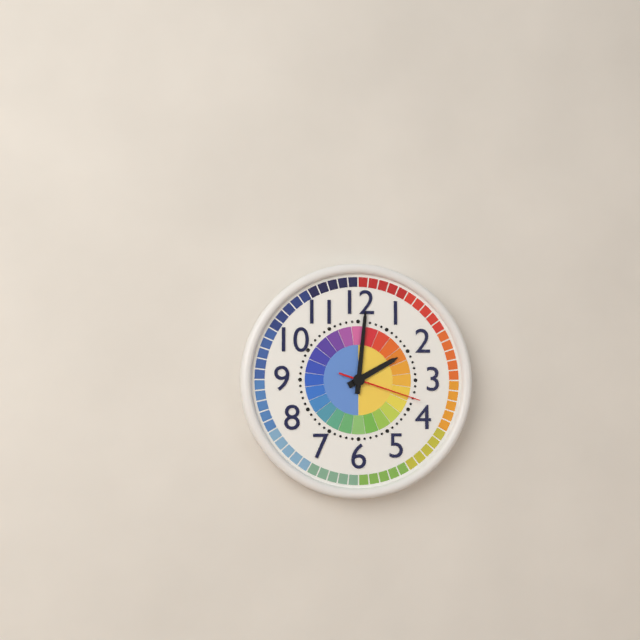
2:01:18
